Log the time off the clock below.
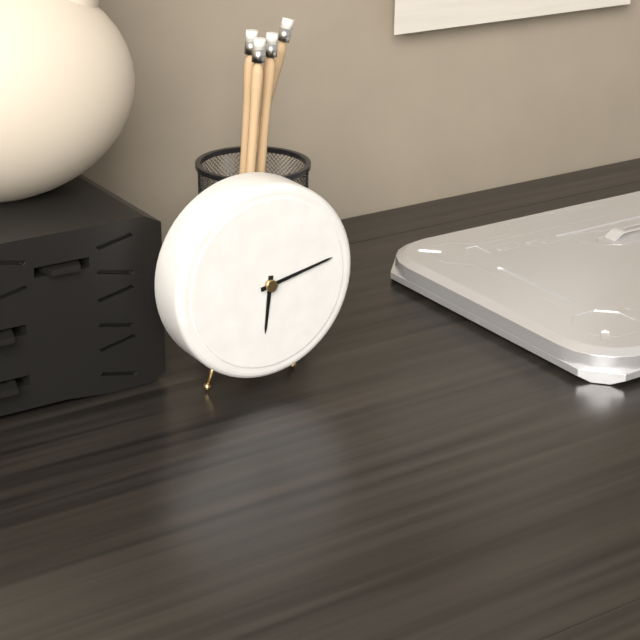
6:13
